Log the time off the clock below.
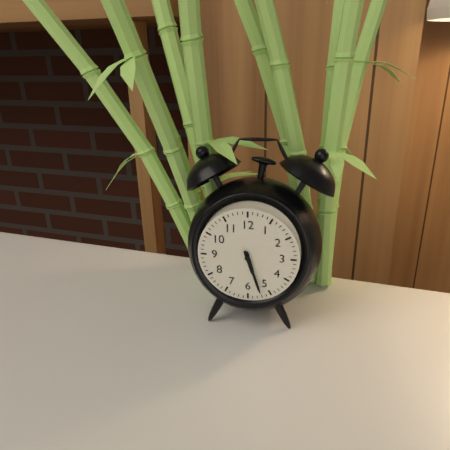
5:27
